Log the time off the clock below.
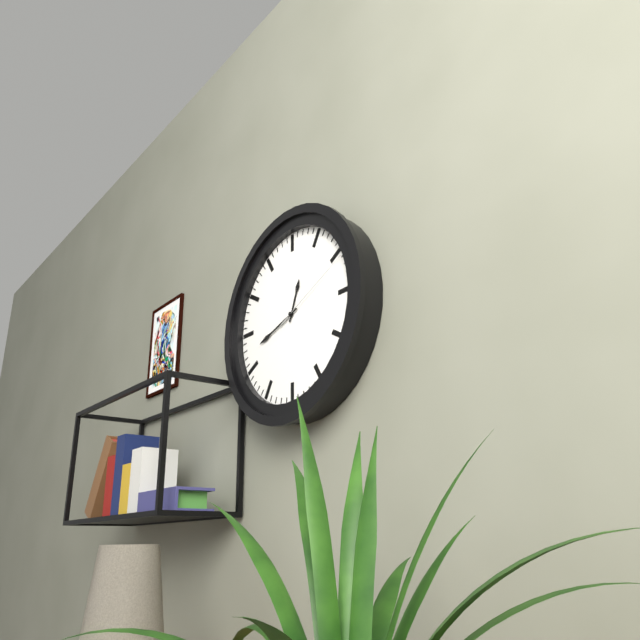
12:42:11
